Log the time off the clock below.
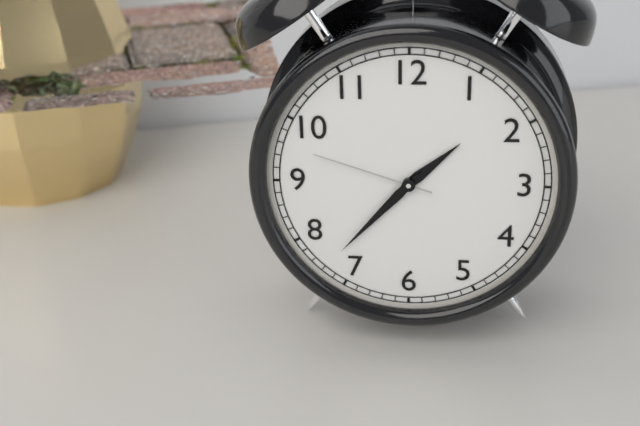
1:37:48
